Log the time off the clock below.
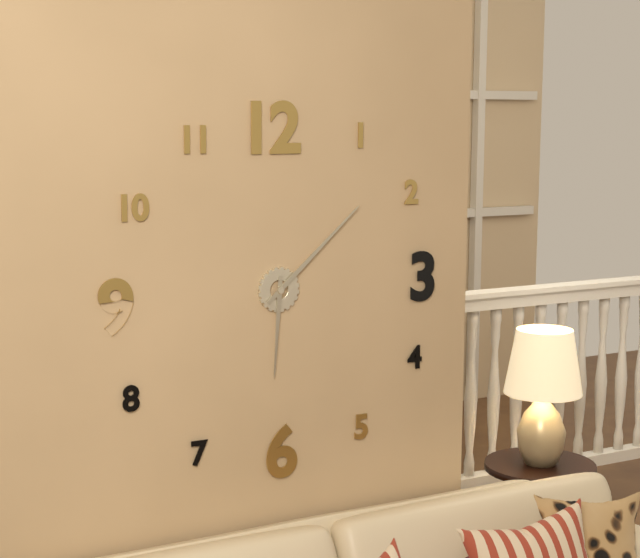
6:08
